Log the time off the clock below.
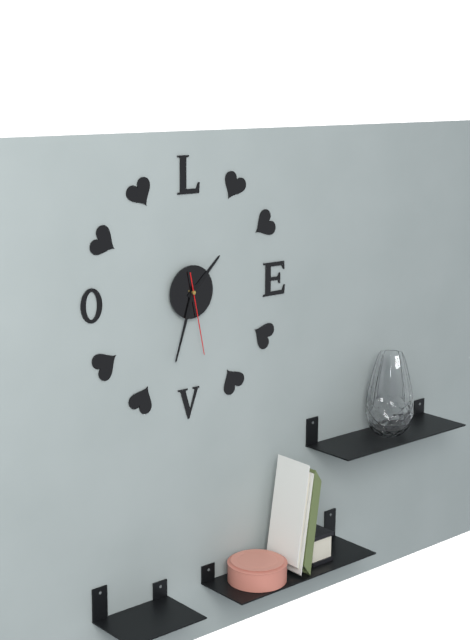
1:33:28
